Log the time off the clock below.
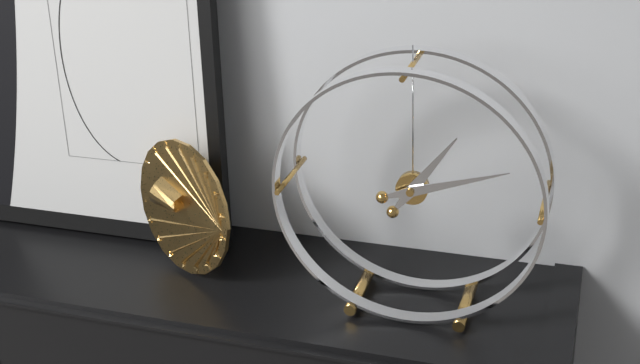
1:12
